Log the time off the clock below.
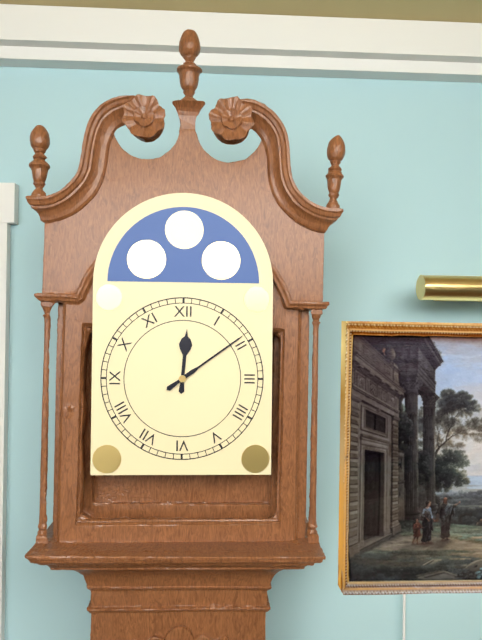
12:09
